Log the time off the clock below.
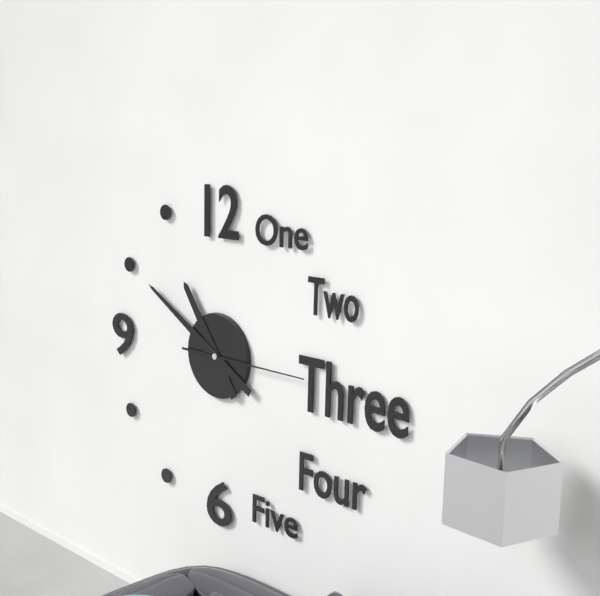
10:50:15
